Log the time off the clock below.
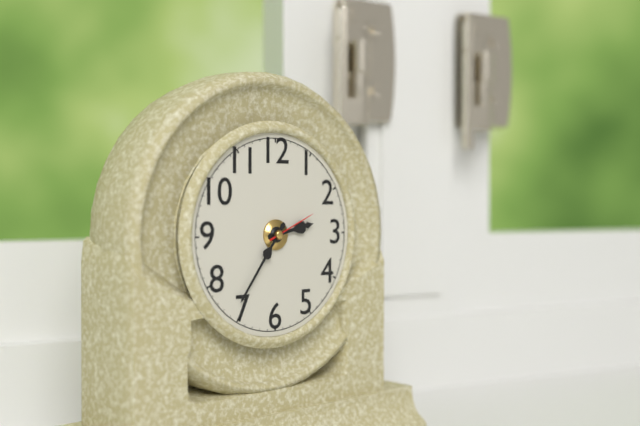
2:36:11
